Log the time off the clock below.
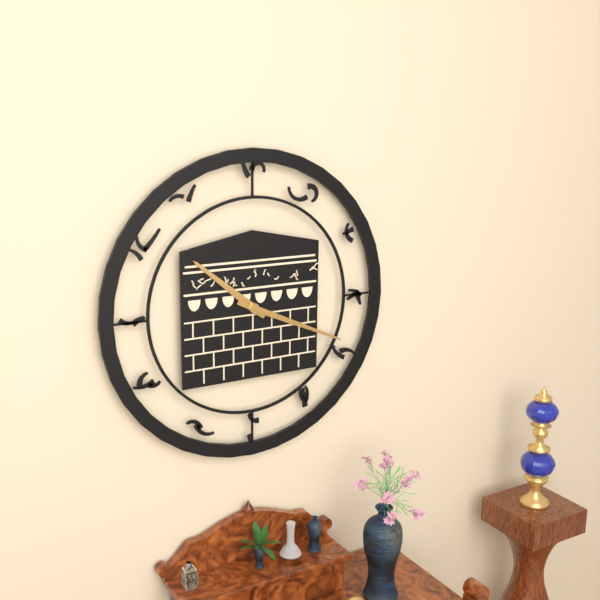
10:19
